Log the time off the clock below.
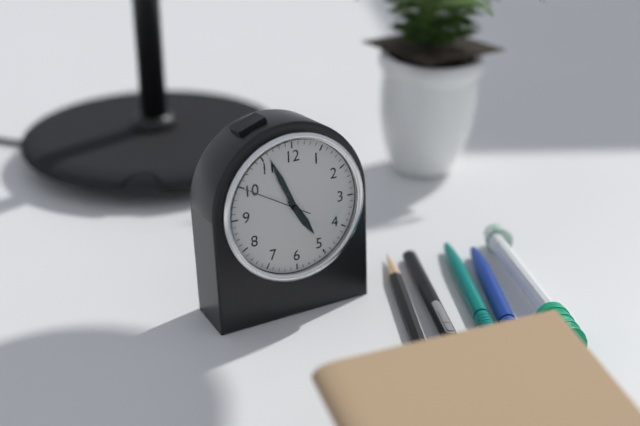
4:56:50
